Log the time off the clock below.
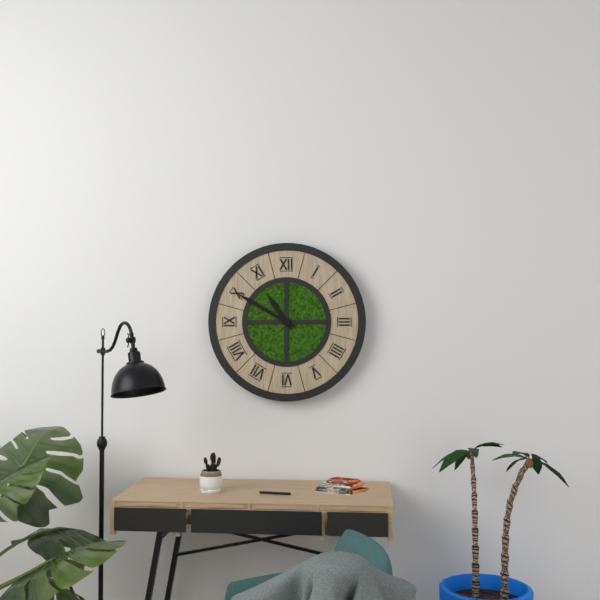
10:50
